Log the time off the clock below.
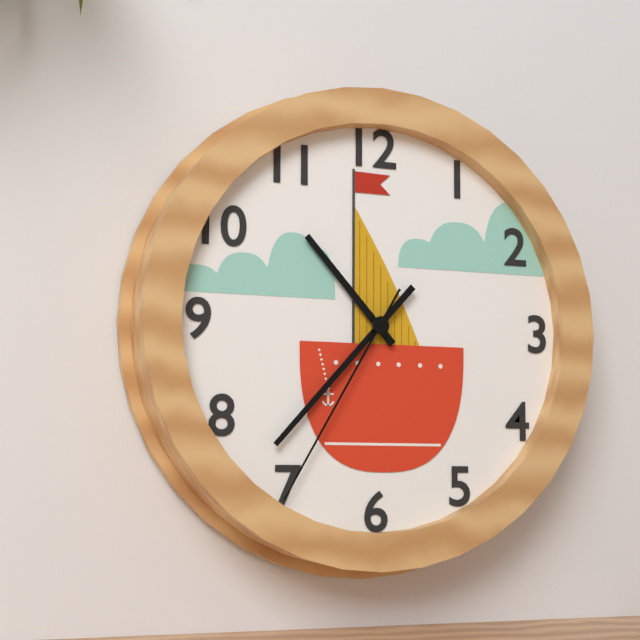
10:37:35
